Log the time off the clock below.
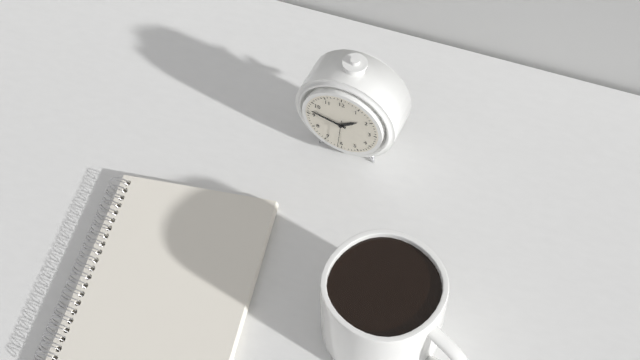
1:47
